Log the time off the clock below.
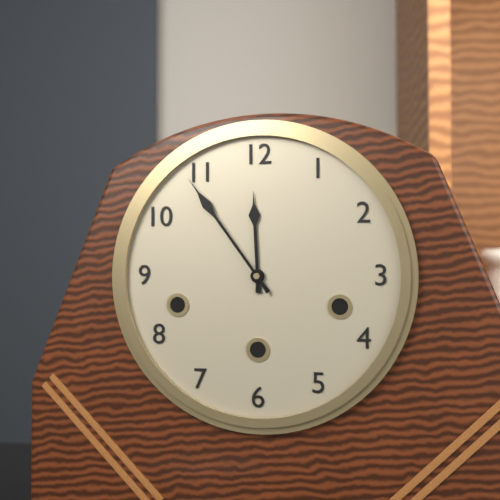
11:54
